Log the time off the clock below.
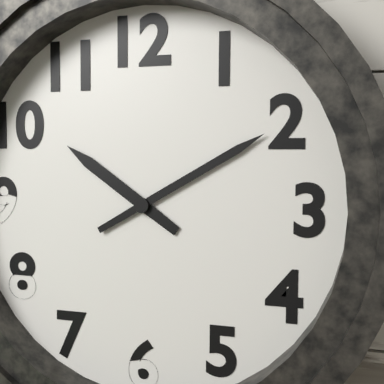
10:10
